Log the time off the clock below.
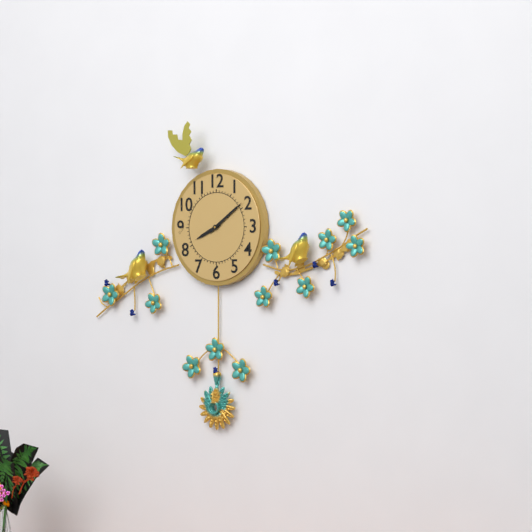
8:09
